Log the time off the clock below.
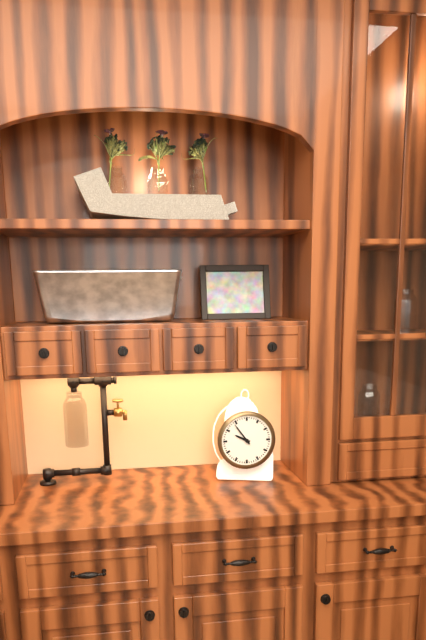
9:54
